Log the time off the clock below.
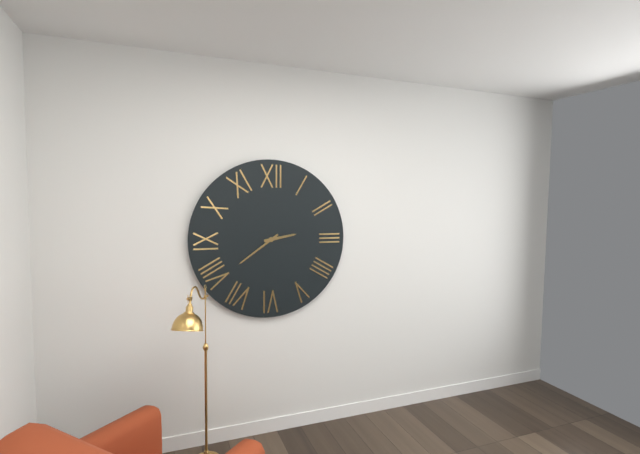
2:39
